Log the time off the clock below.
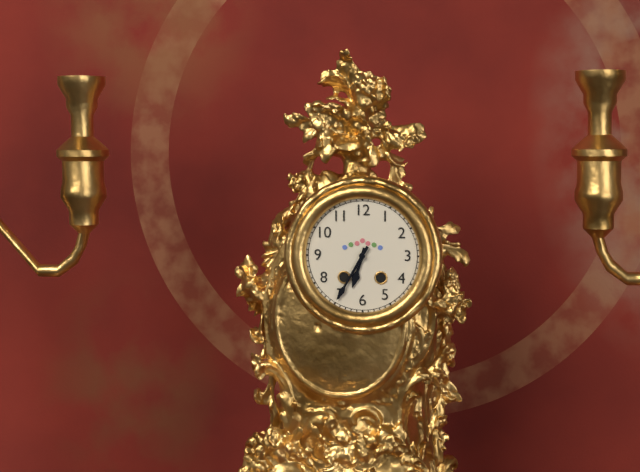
6:35
